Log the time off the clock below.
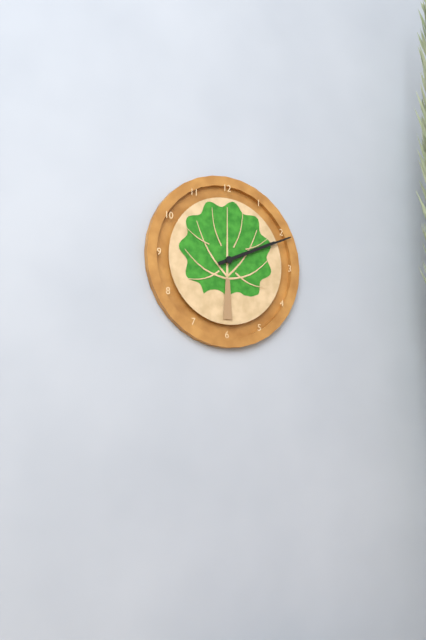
2:11
